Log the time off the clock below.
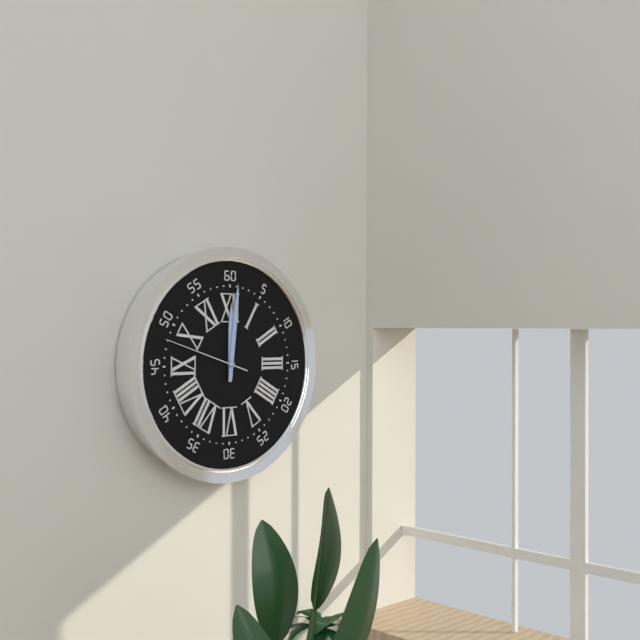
12:01:48
